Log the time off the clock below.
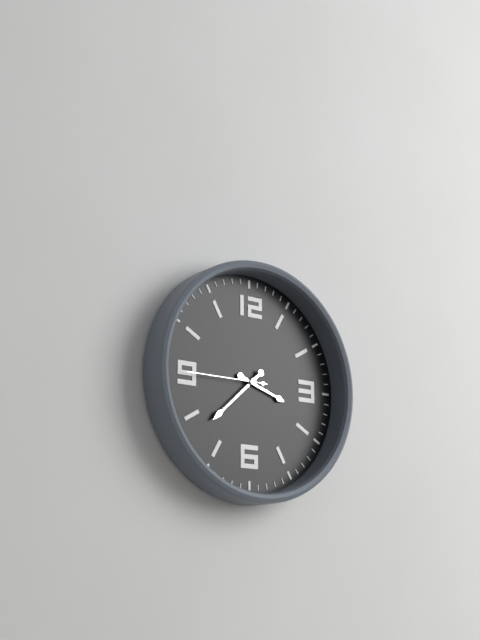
3:38:45
